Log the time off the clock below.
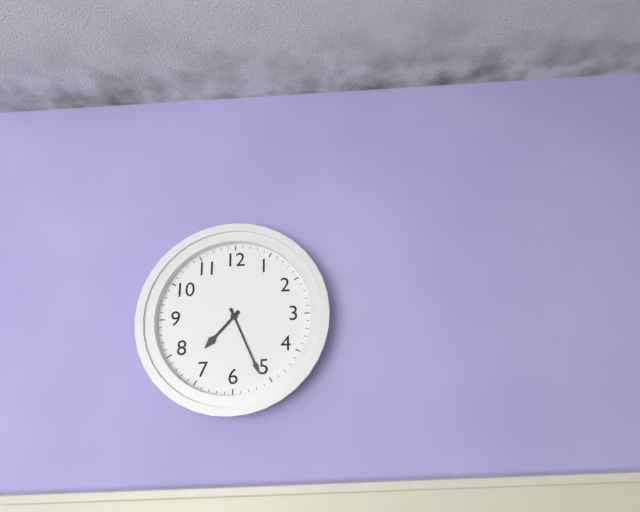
7:26
